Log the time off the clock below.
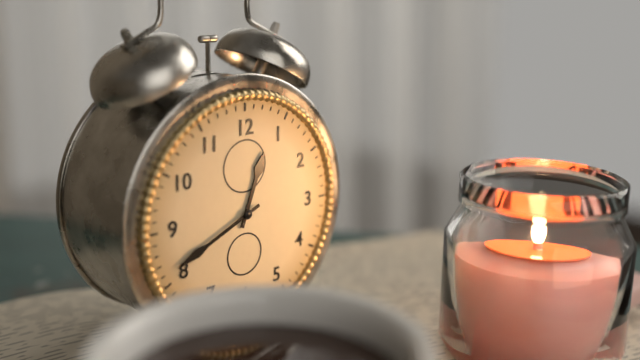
12:41
